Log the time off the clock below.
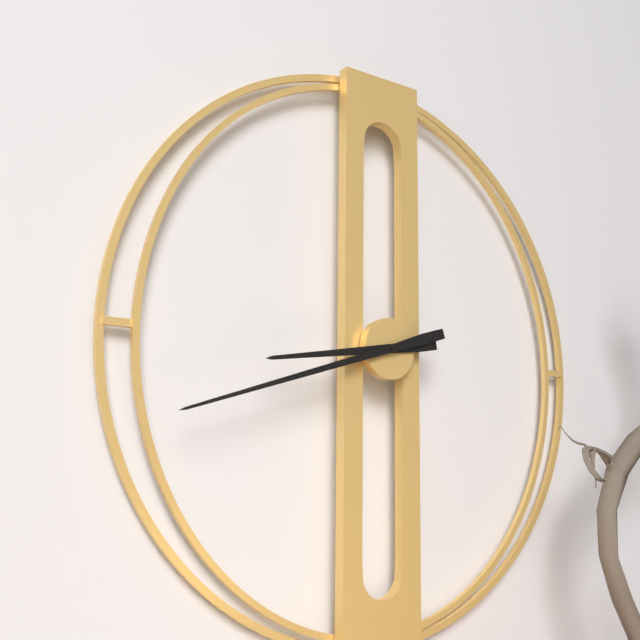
8:42
